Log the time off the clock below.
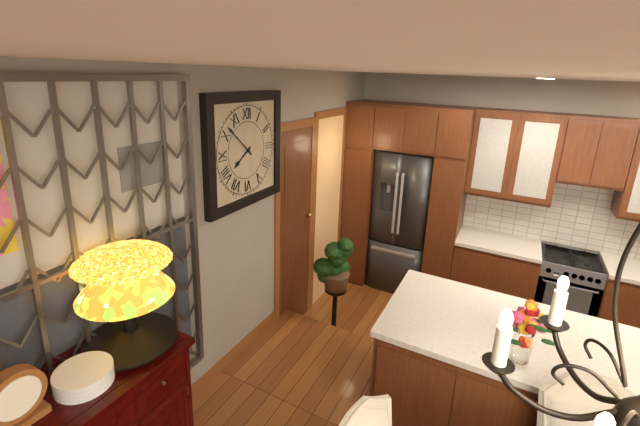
7:52
